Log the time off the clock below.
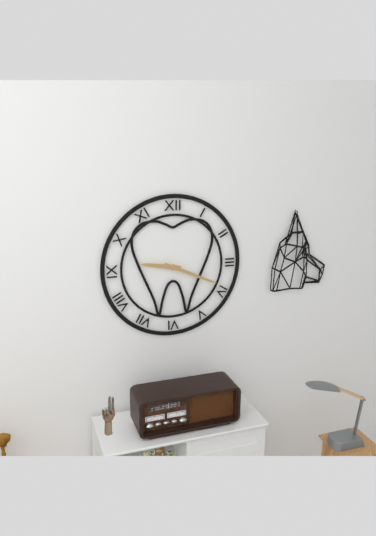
9:19
